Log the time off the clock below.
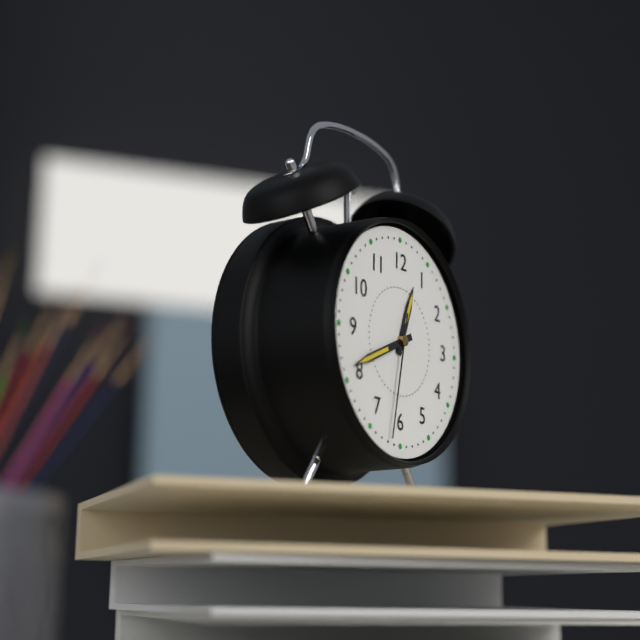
12:41:32
